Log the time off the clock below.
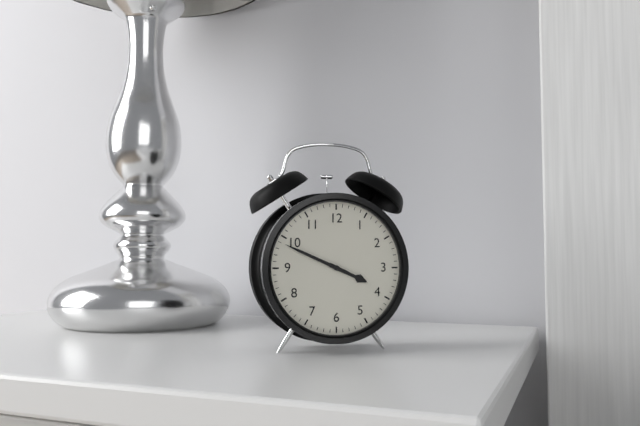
3:49
